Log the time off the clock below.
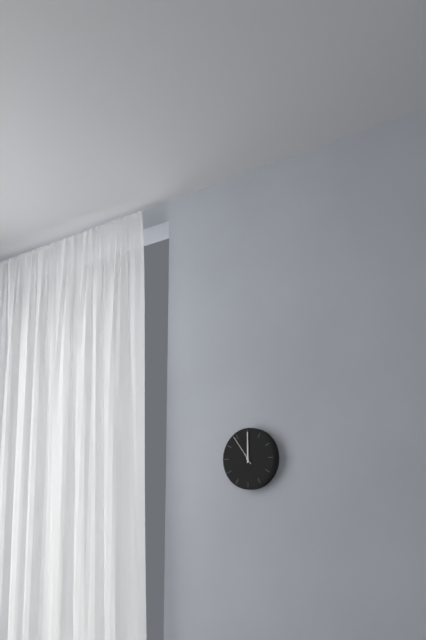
12:00
